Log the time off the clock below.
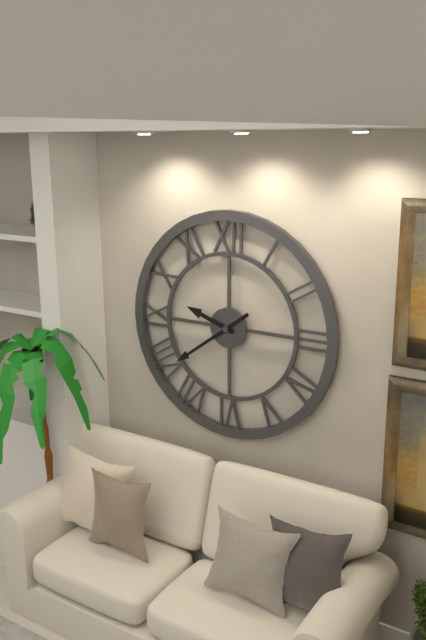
9:39
